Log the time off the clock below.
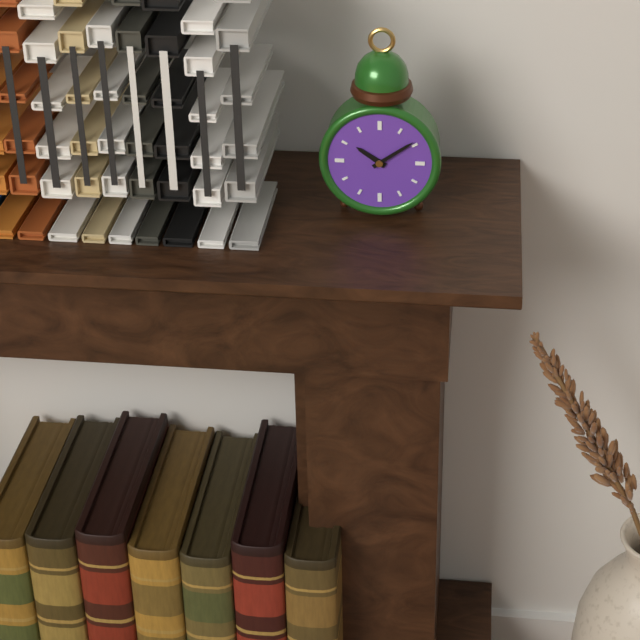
10:09
